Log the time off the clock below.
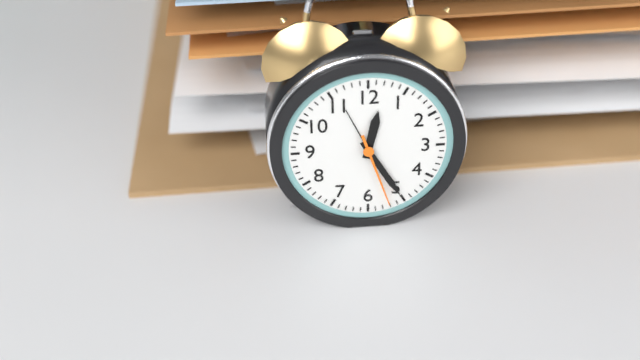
12:25:27
